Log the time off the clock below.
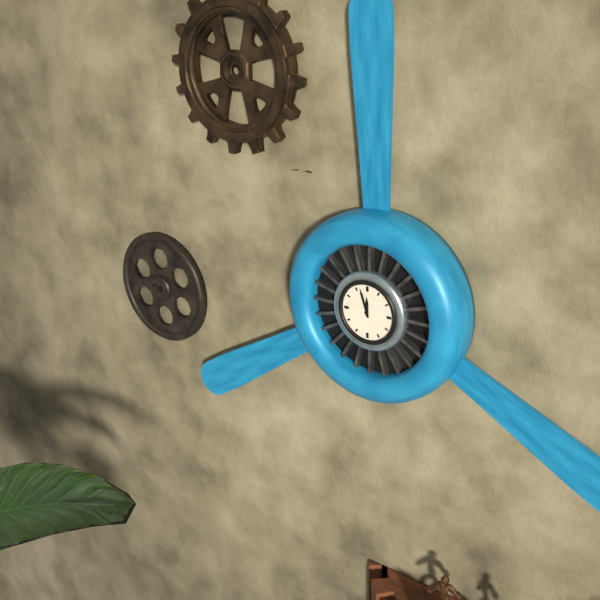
11:57
